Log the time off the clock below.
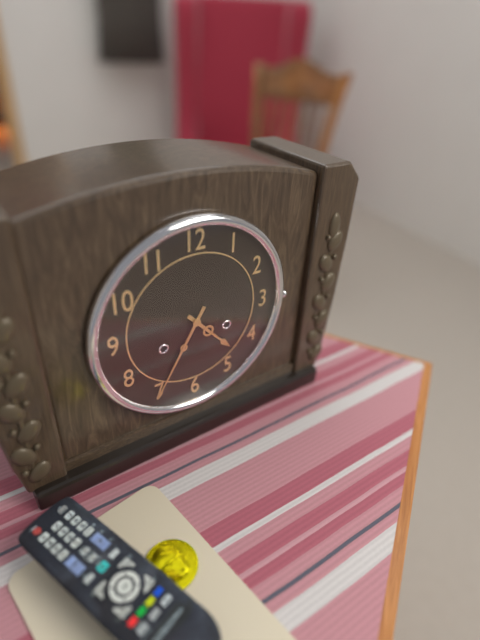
4:35
